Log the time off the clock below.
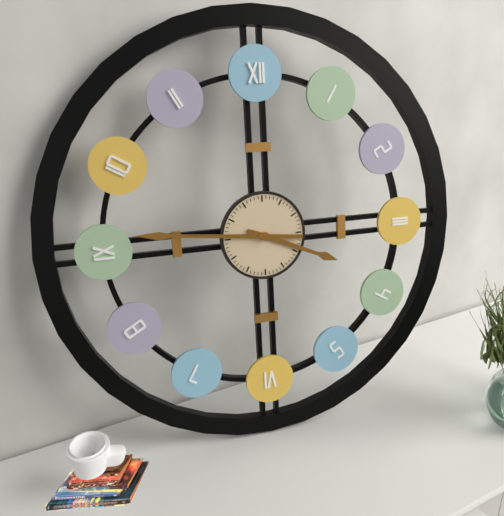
3:46
